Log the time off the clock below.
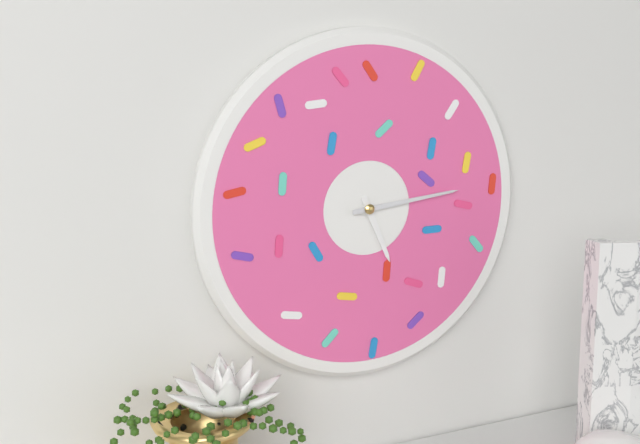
5:14
